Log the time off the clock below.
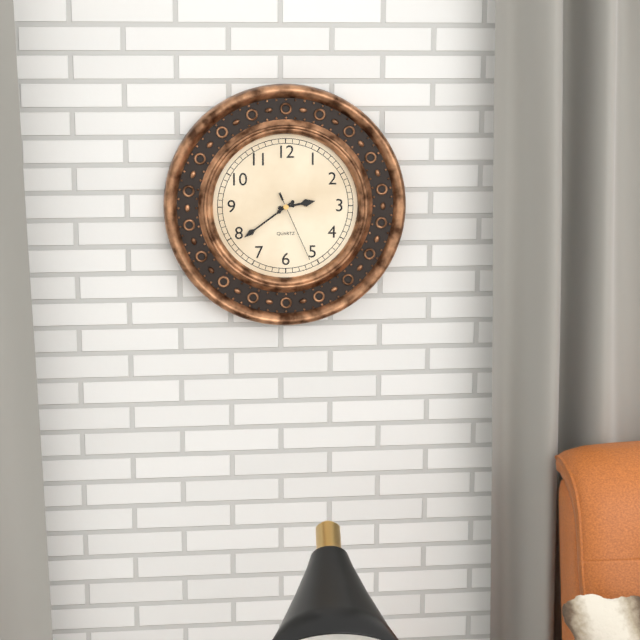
2:39:26
